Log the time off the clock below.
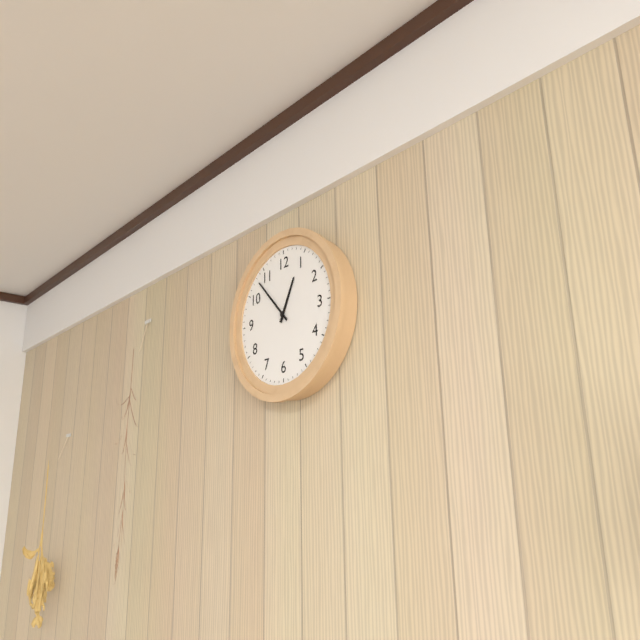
12:53
